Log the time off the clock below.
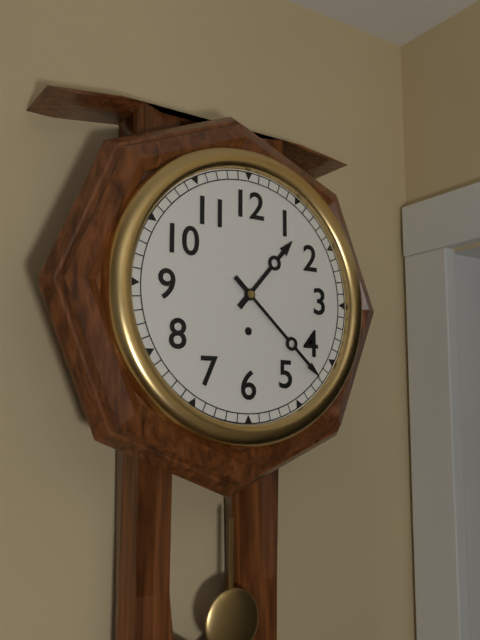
1:22
